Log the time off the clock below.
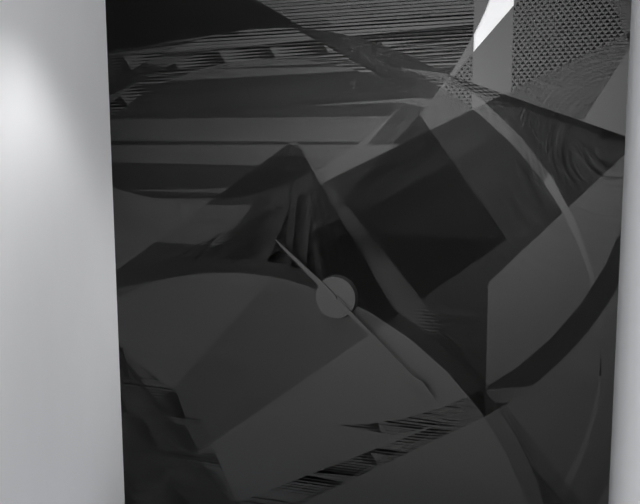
10:22
